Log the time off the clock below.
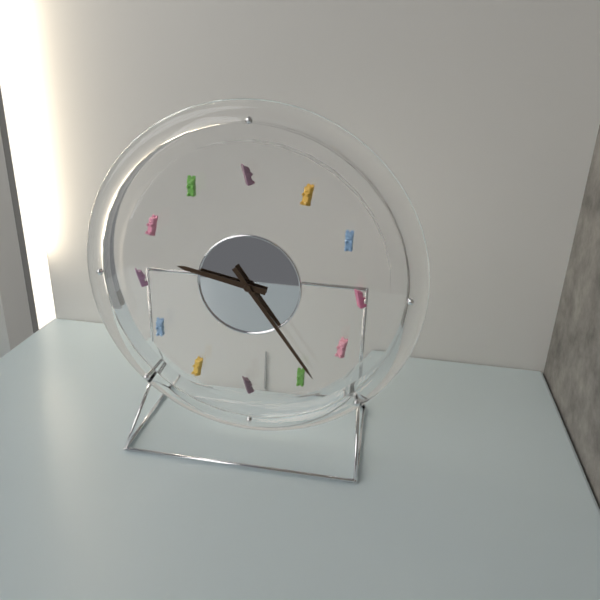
9:24
